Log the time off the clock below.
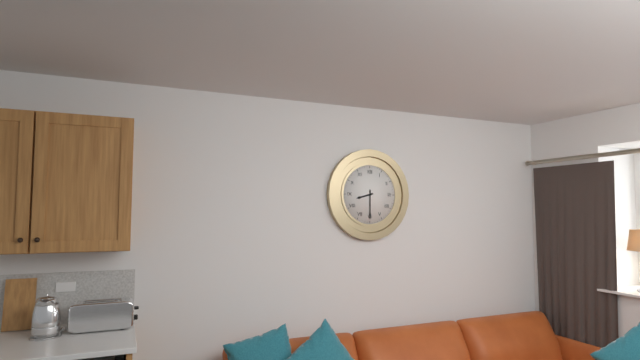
8:30
